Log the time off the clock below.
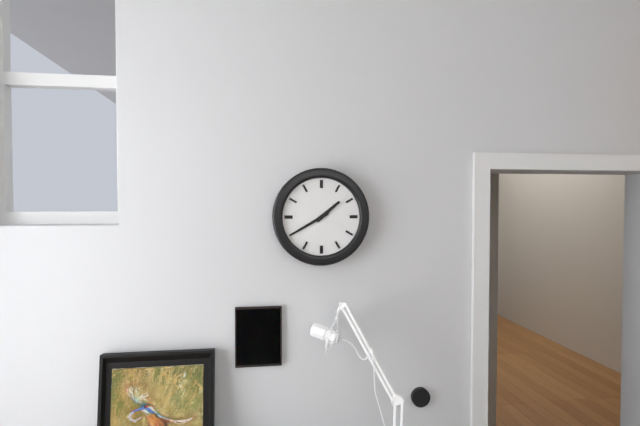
1:40
